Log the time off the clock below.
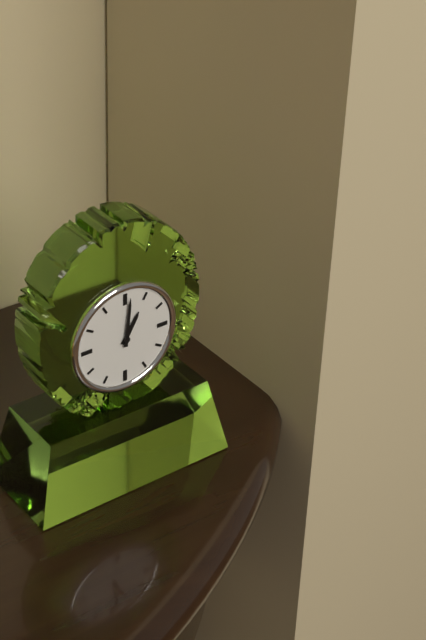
1:01
